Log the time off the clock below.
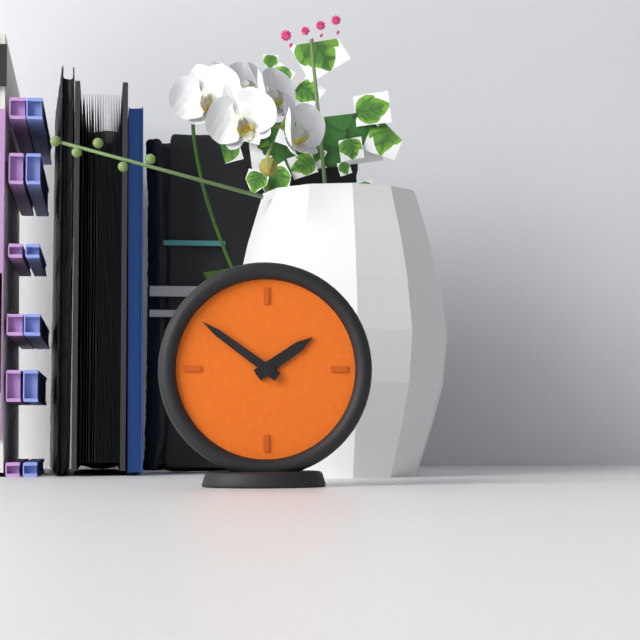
1:51
